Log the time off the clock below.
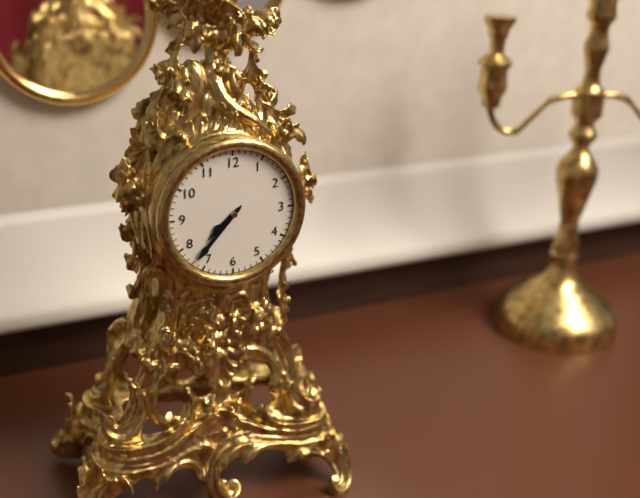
7:37
